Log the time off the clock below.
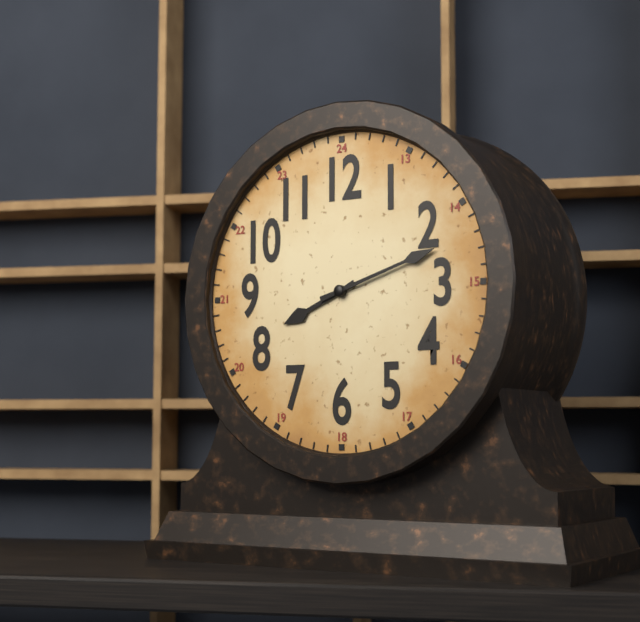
8:12
